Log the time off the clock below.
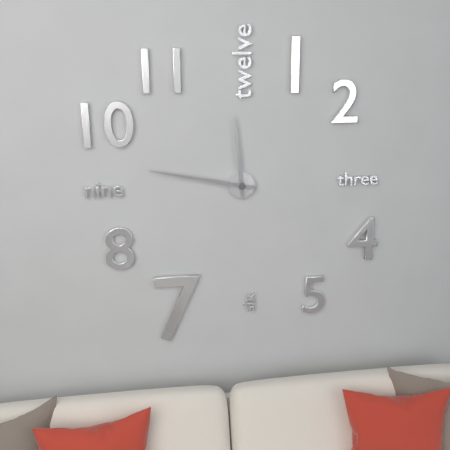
11:47
